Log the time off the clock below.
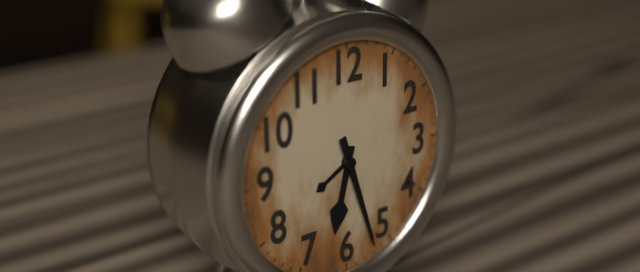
6:27
